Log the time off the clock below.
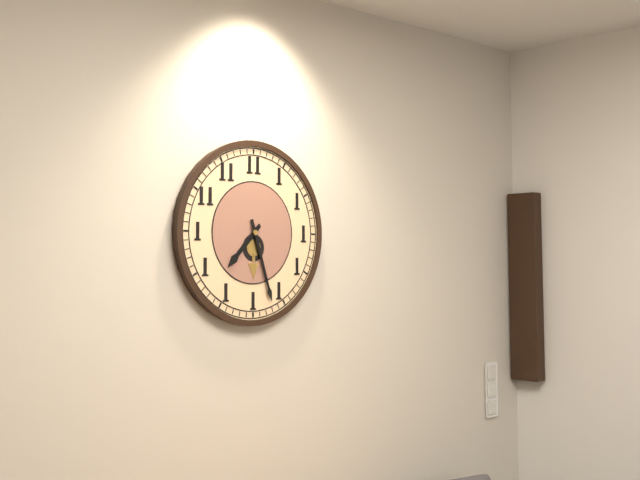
7:27
